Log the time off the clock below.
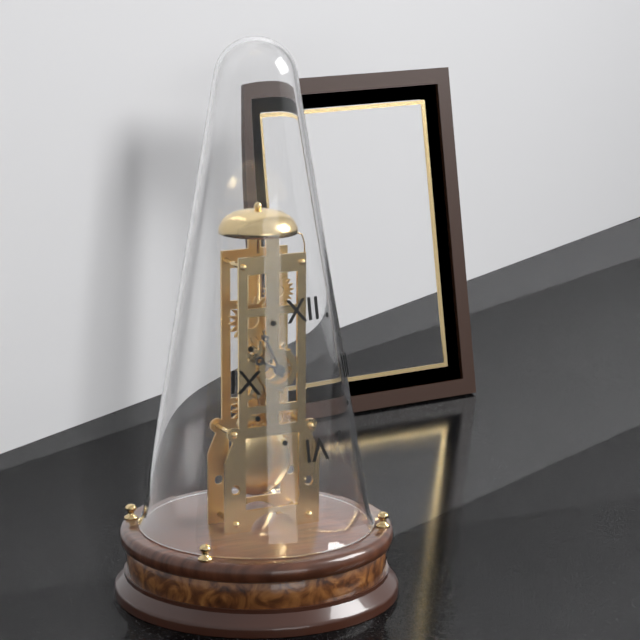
9:56
